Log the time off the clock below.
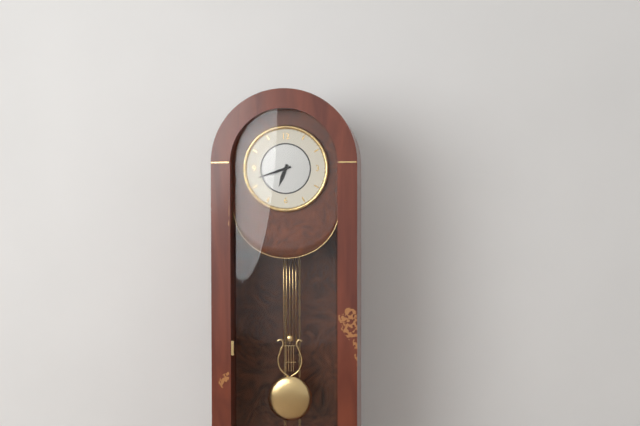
6:42
